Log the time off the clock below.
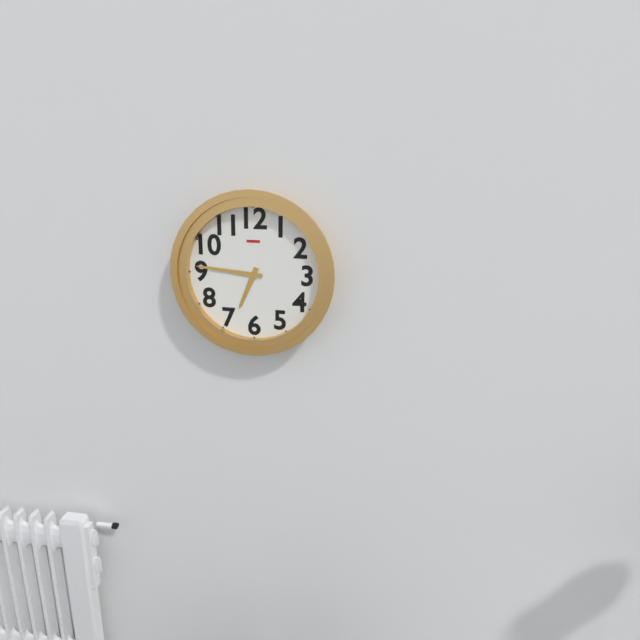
6:46
